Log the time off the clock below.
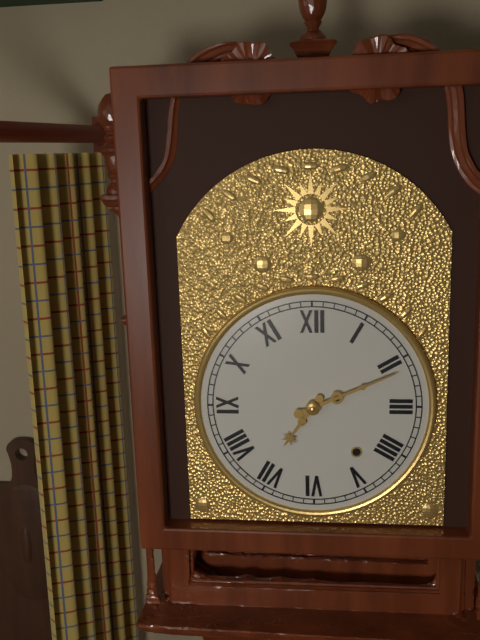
7:11
